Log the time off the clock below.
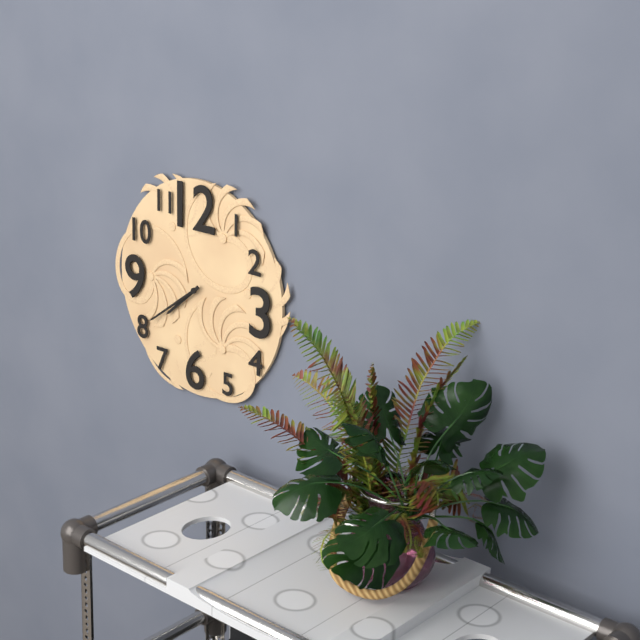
7:39
